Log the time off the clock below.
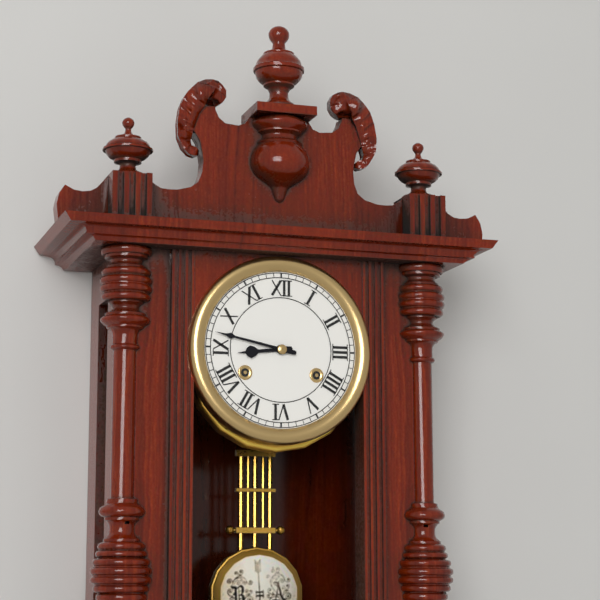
8:47
